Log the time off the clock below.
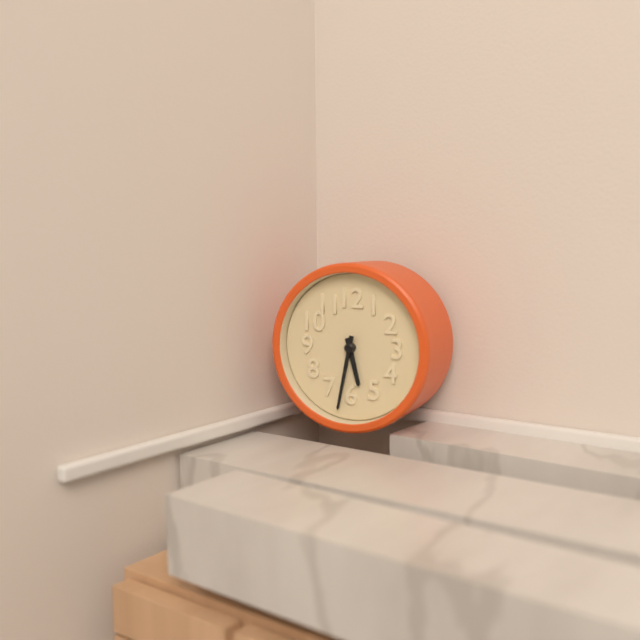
5:32
